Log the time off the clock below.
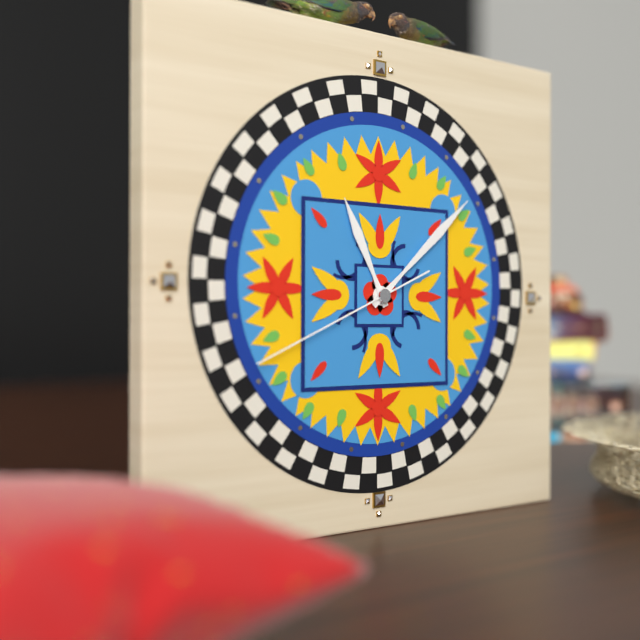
11:08:41
